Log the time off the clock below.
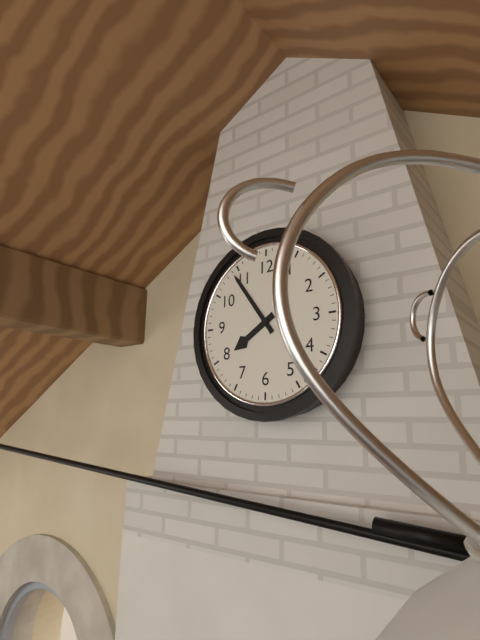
7:54
